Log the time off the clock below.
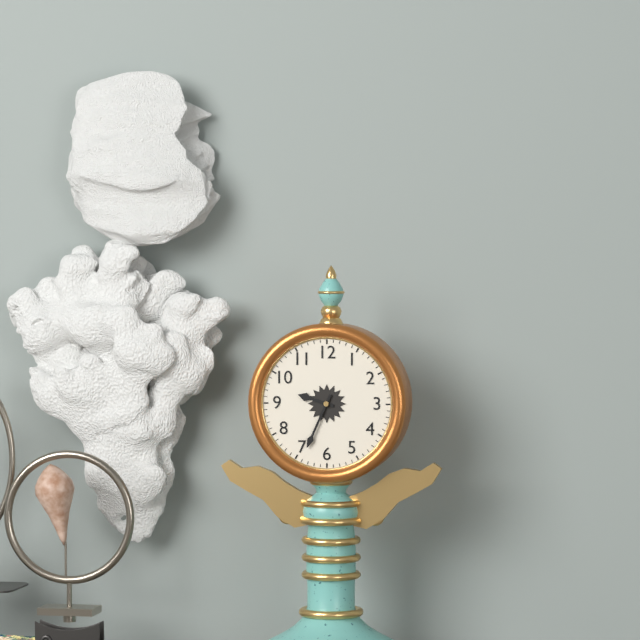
9:34
